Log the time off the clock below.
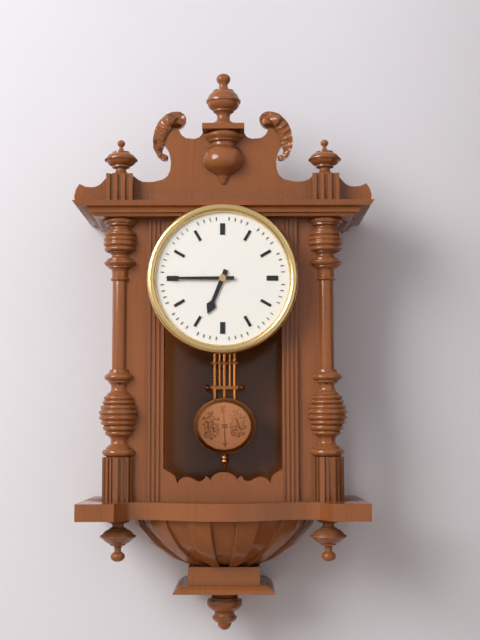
6:45
